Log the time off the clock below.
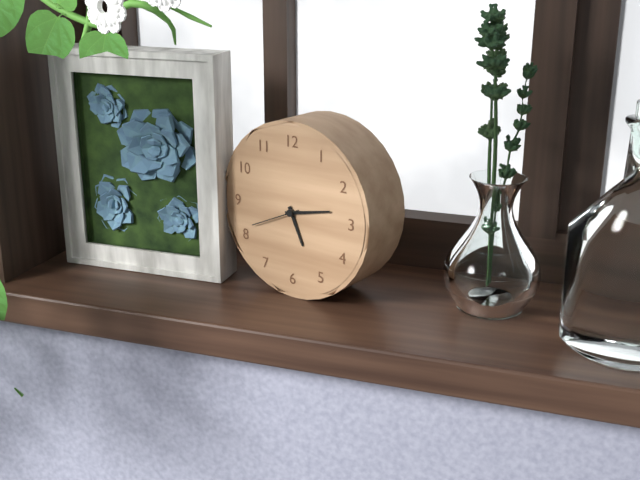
5:13:41
